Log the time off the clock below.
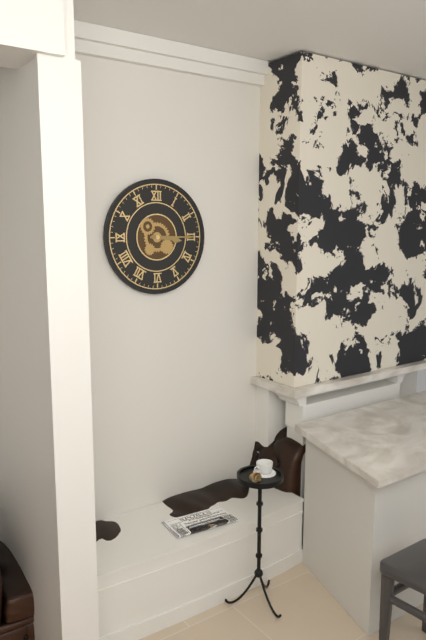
3:15
